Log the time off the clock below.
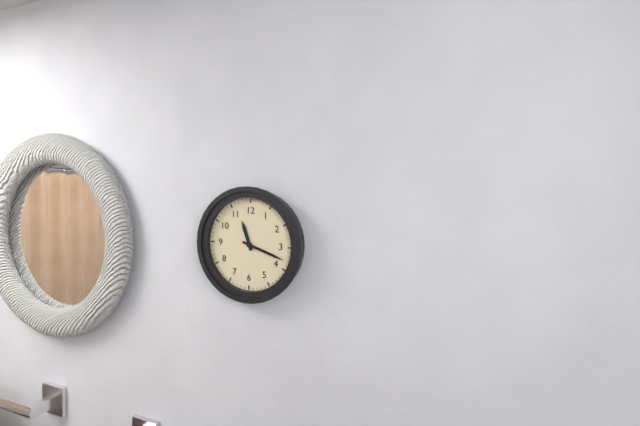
11:18
